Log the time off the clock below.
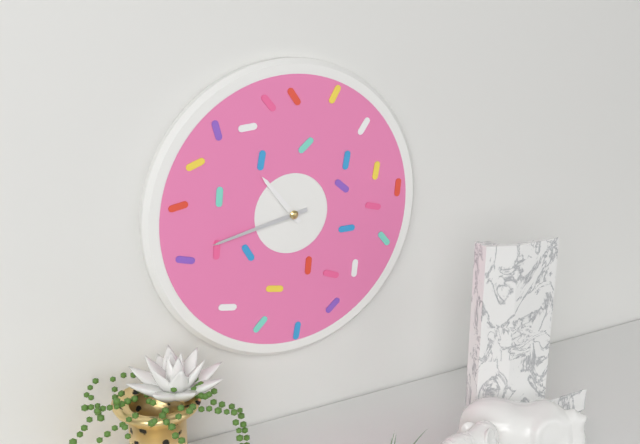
10:43
